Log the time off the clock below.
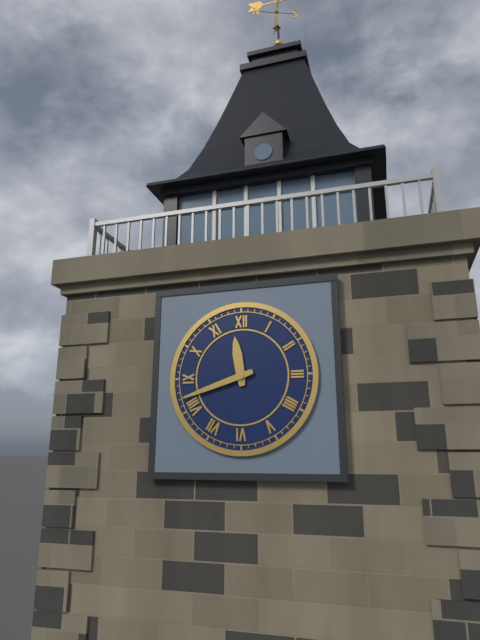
11:42
